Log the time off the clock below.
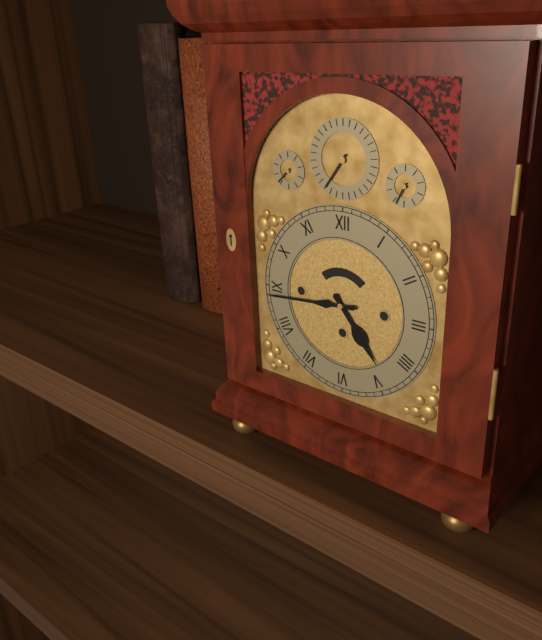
4:44
